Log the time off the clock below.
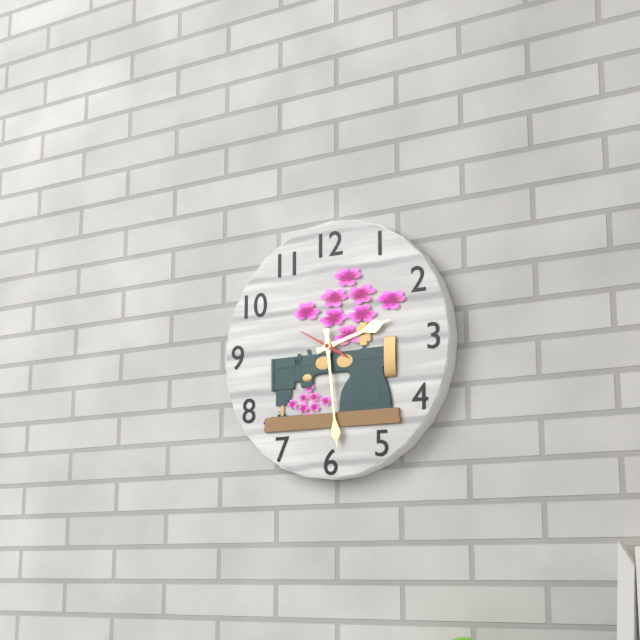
2:29
